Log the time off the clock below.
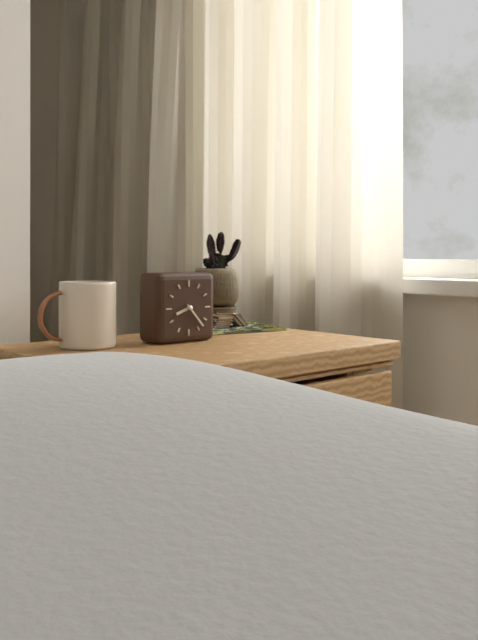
8:23
